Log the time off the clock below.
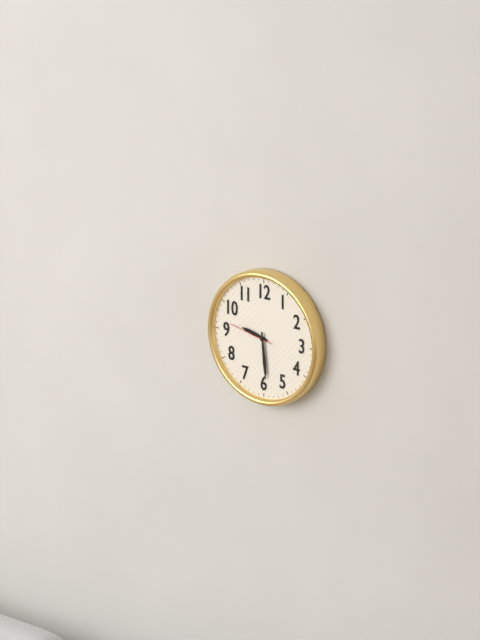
9:29
